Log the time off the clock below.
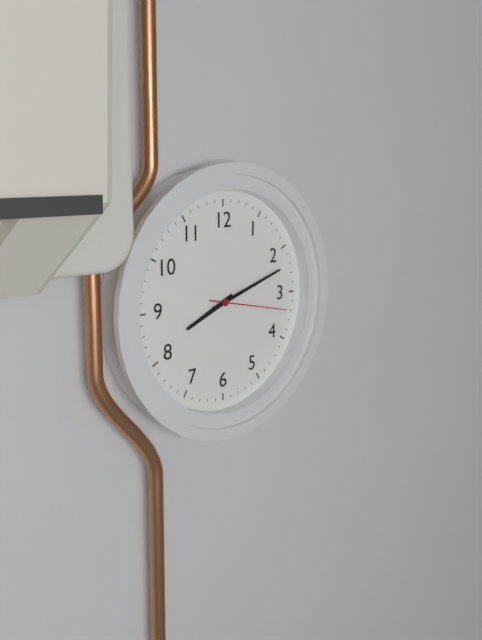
8:12:17
